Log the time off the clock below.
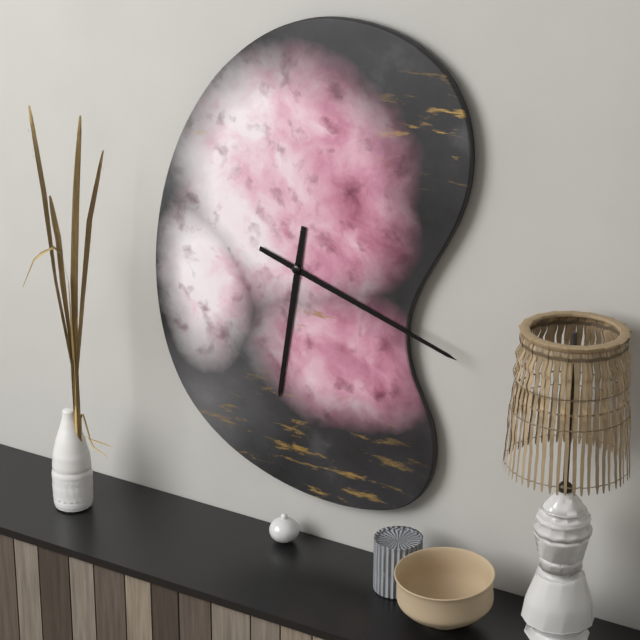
6:18
